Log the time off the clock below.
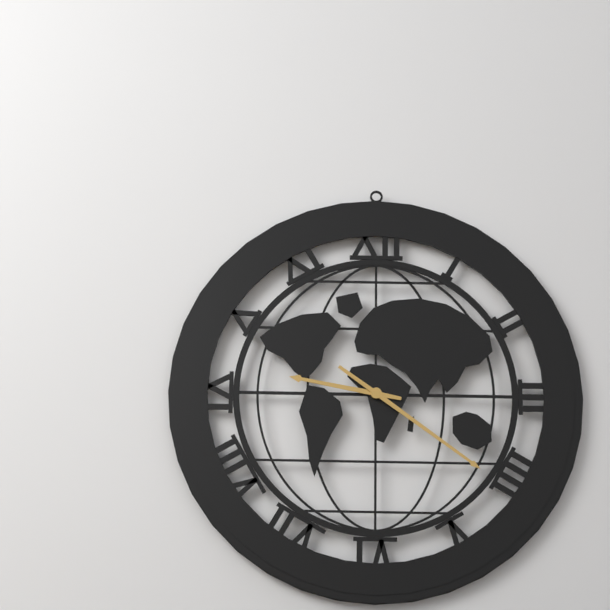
9:21
